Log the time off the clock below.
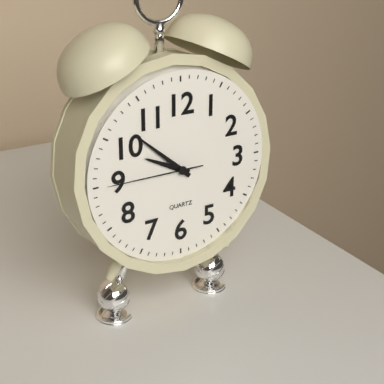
9:52:45
